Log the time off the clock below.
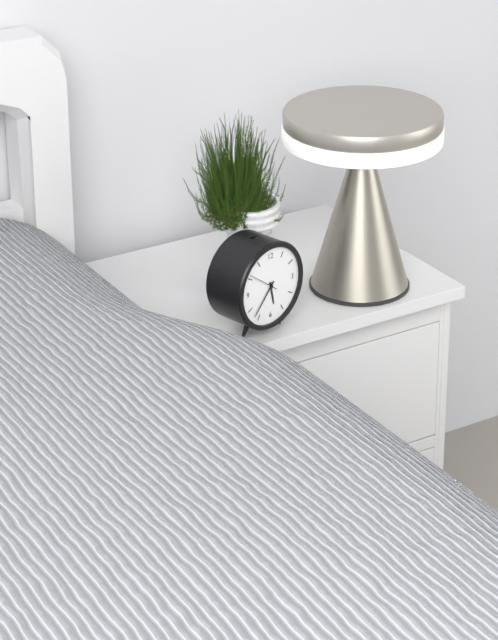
5:37
